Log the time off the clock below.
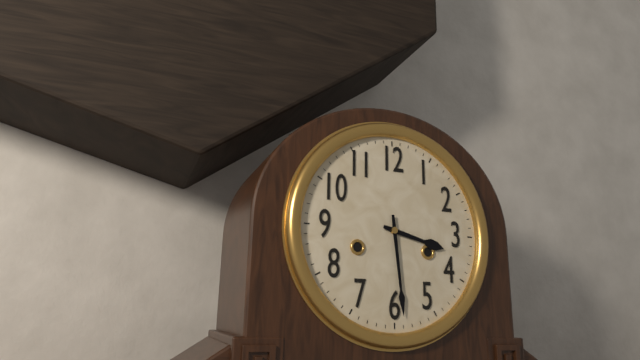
3:29
